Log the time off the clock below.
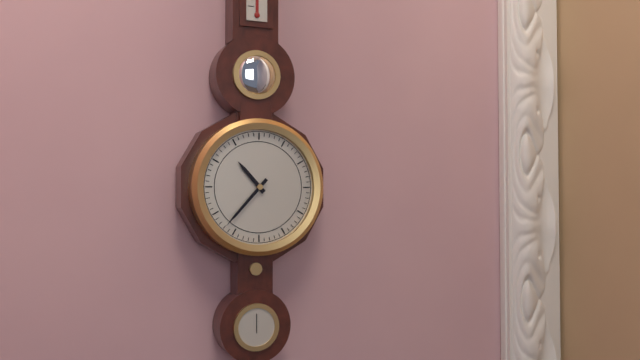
10:37
